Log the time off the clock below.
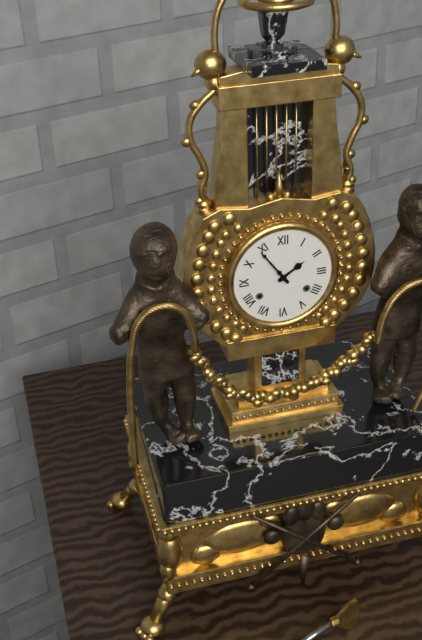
1:54
